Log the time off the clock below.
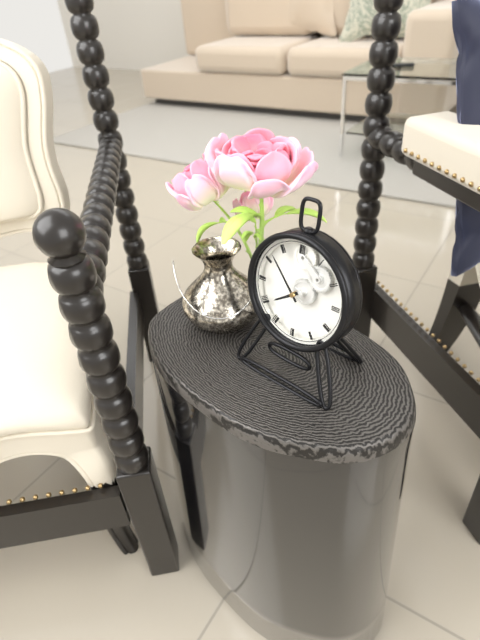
7:53
